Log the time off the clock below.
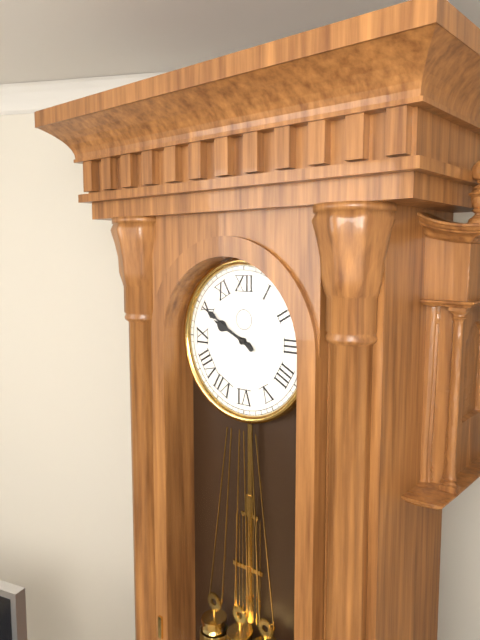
9:50
